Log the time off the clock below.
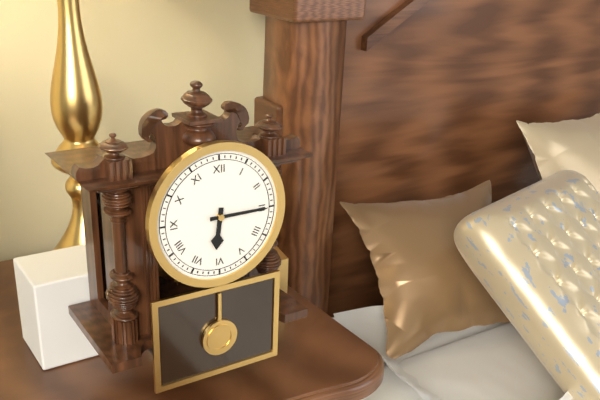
6:15
